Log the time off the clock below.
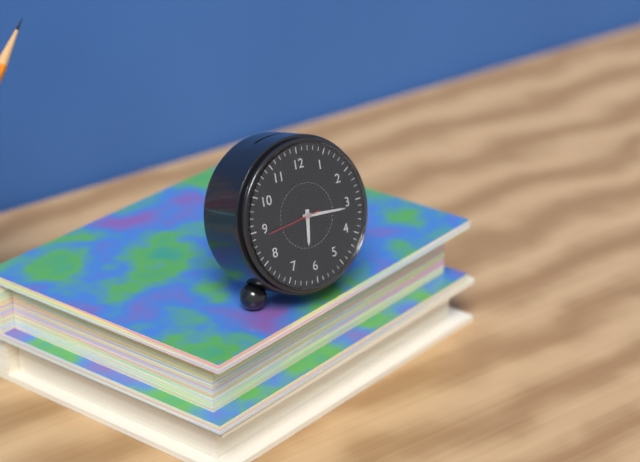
6:16:44
